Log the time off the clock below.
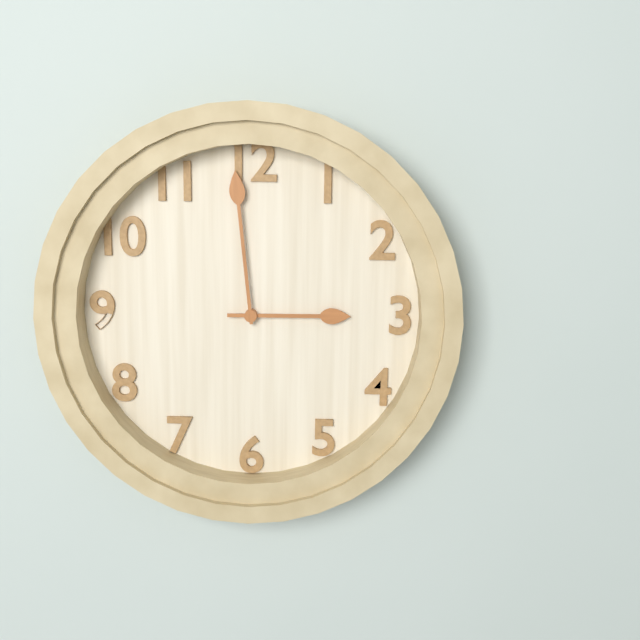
2:59
